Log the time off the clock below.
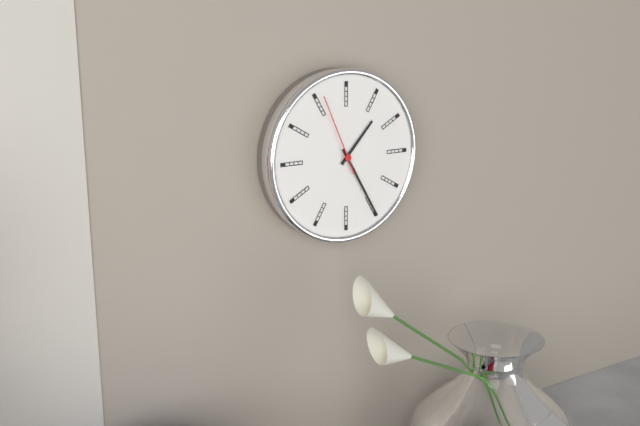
1:25:56
